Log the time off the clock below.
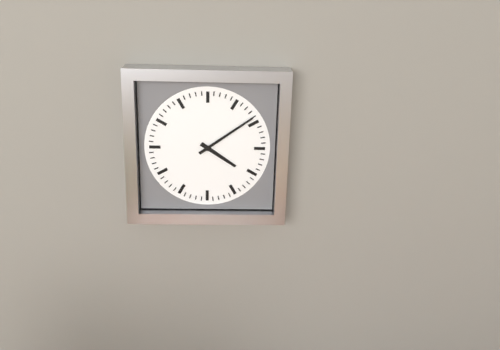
4:09
